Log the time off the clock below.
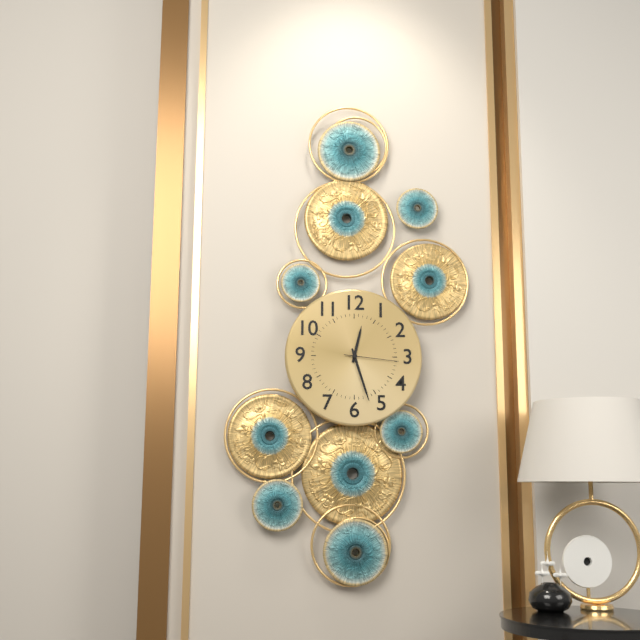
12:27:16
